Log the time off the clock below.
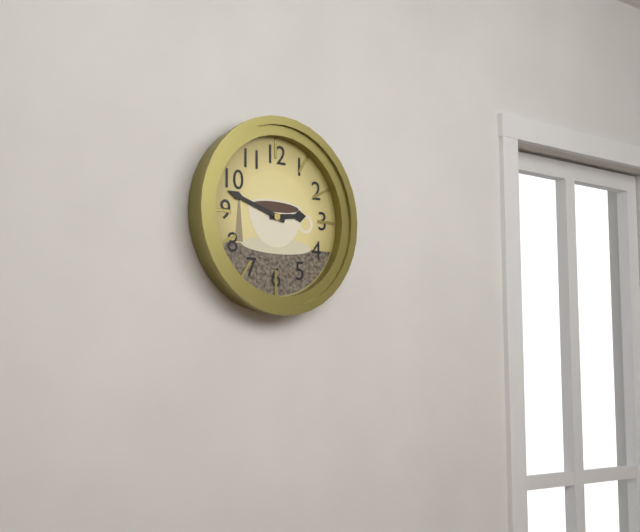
2:48
